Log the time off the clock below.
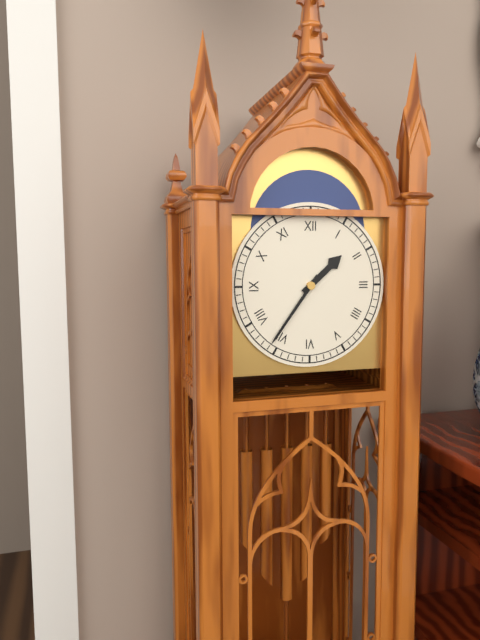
1:36
